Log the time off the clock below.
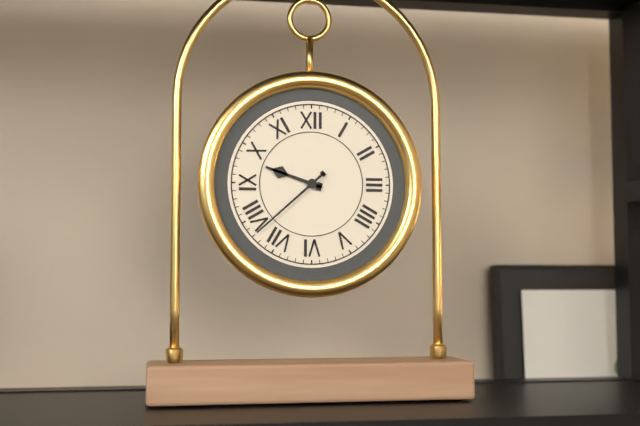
9:38
